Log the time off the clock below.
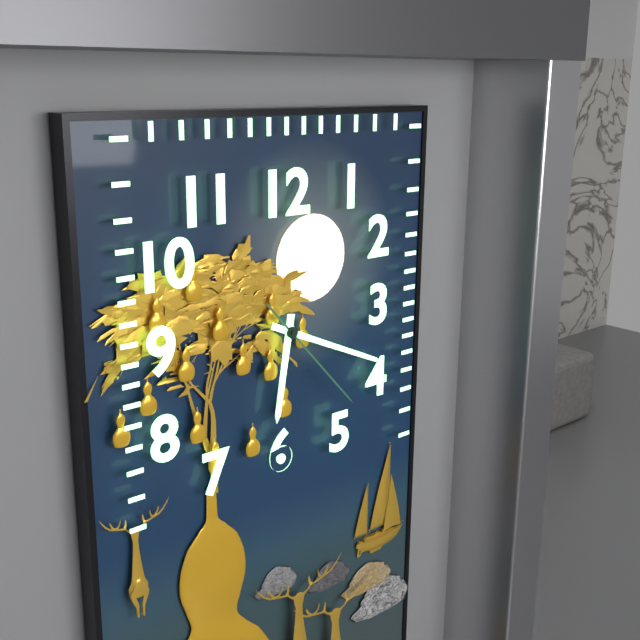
6:19:23
